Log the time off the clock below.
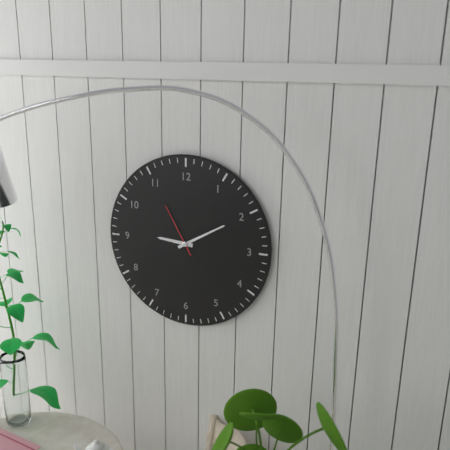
9:10:55
